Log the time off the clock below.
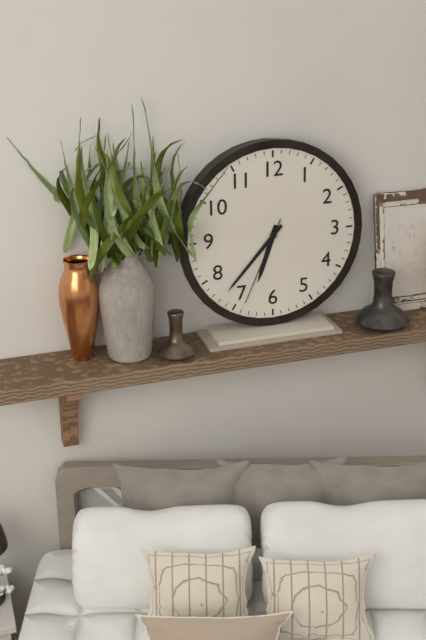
6:37:34
